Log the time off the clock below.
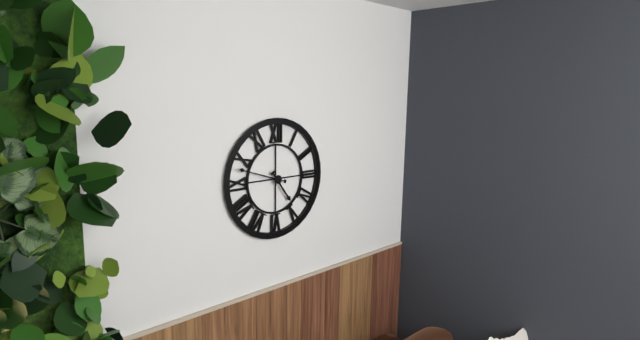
4:48
